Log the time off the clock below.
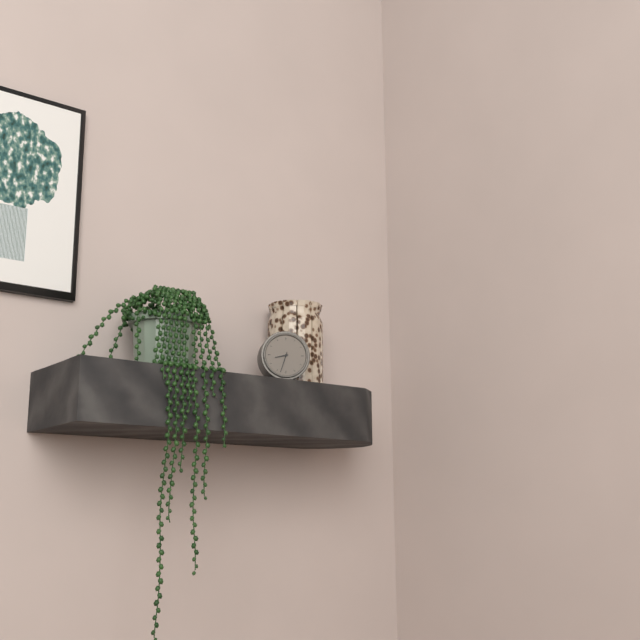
8:33
